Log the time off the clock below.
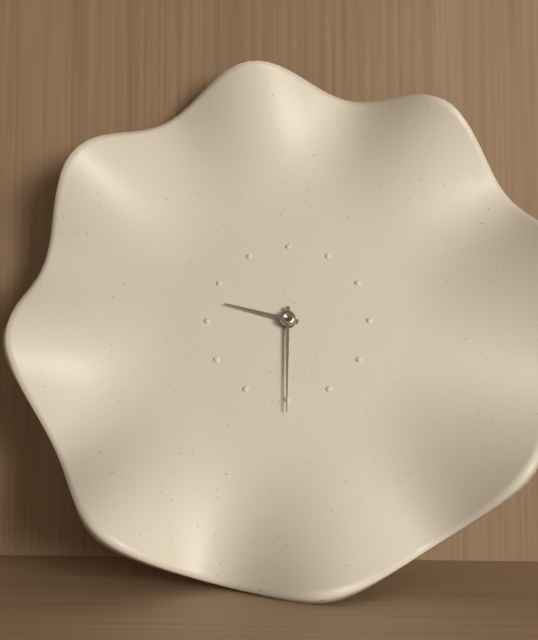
9:30
